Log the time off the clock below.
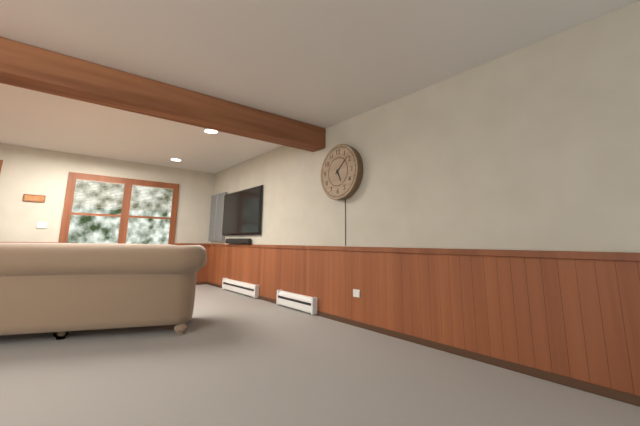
5:08
